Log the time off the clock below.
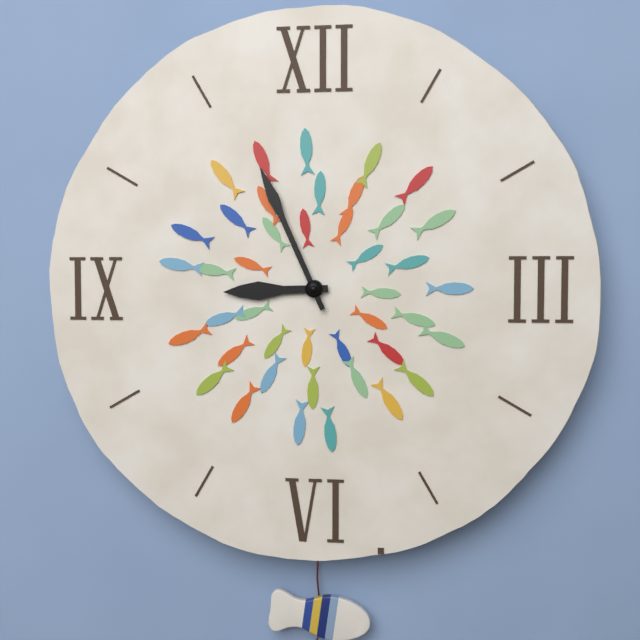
8:56
